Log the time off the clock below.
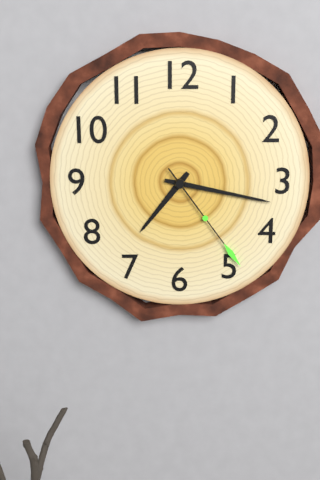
7:17:24
